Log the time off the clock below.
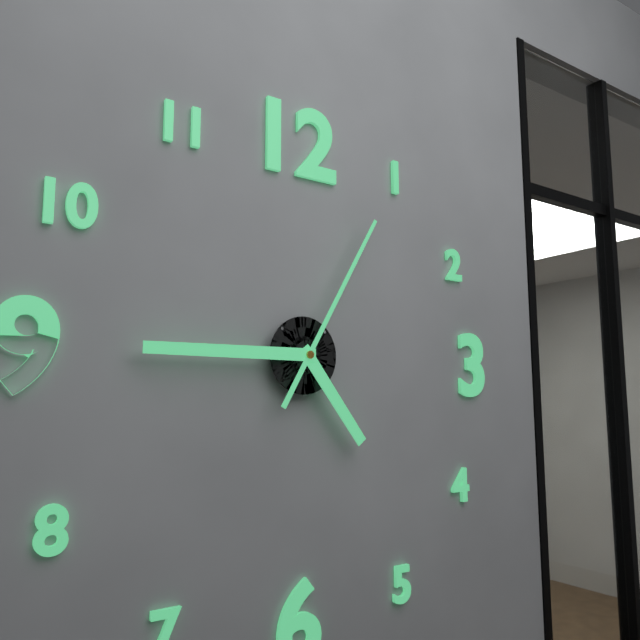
4:45:05
